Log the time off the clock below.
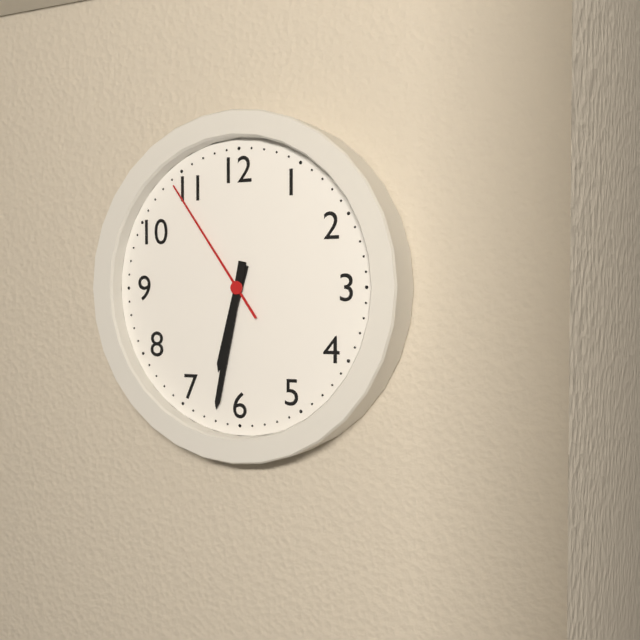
6:32:54
